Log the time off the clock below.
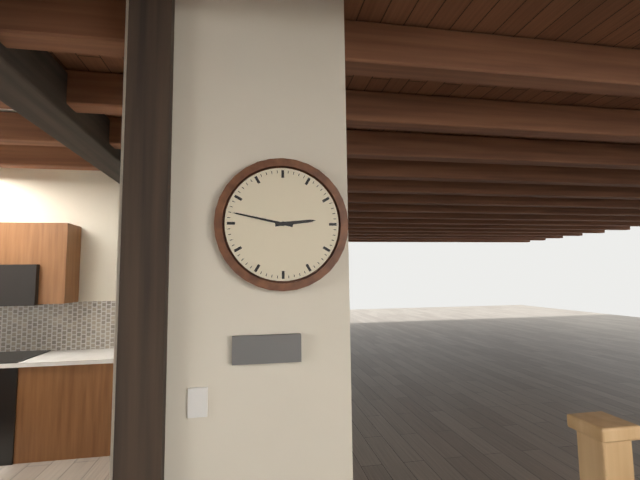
2:47
